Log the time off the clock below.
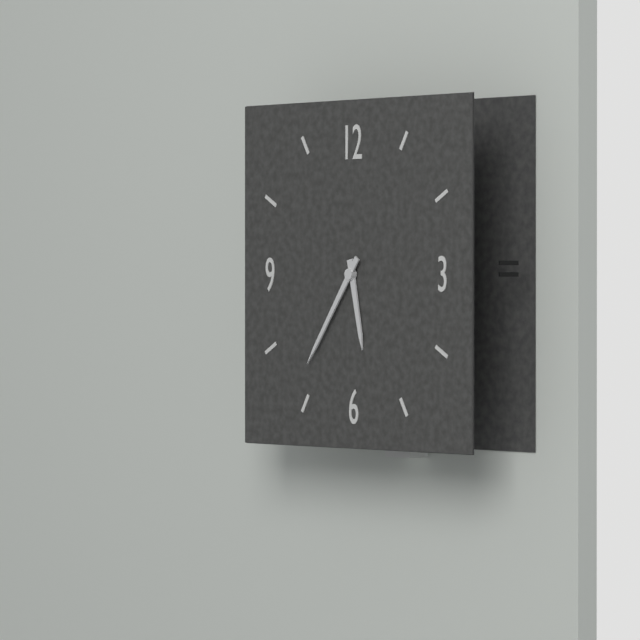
5:36
